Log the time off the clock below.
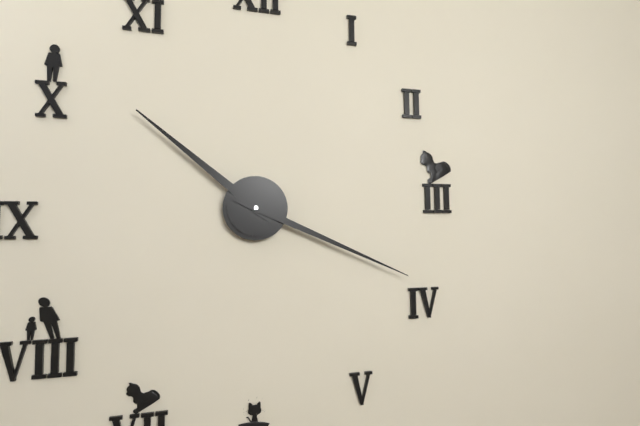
10:19
